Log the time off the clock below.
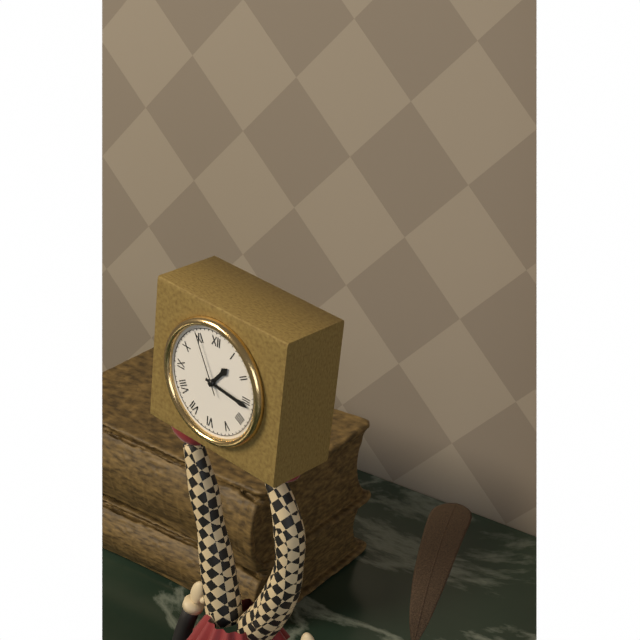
1:16:55
